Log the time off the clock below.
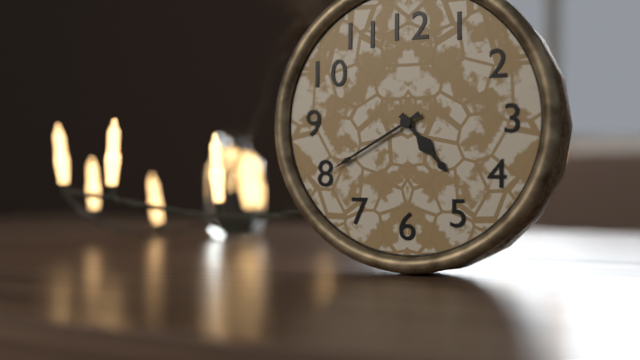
4:40
